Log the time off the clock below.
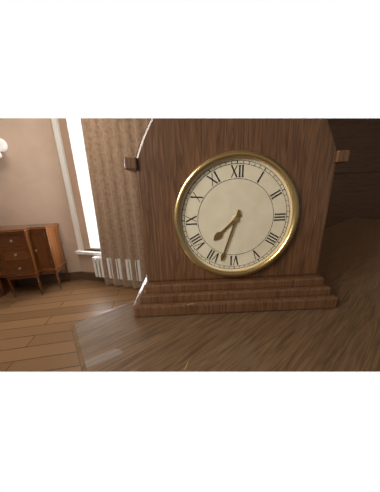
7:33
